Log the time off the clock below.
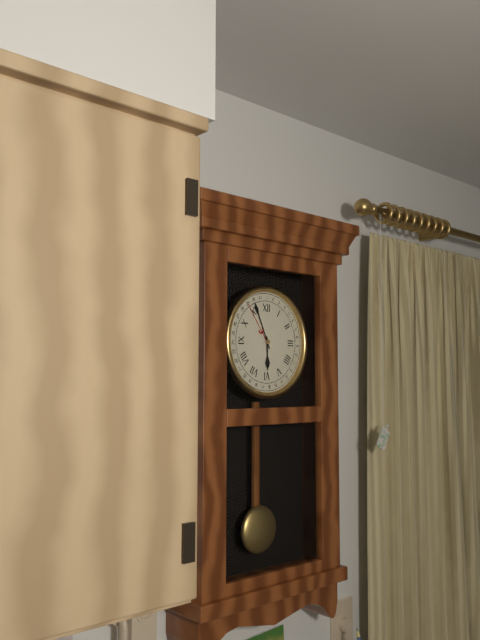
5:56
